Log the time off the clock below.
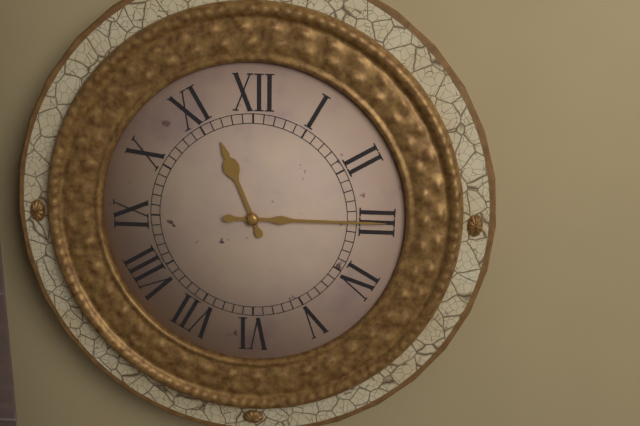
11:15
